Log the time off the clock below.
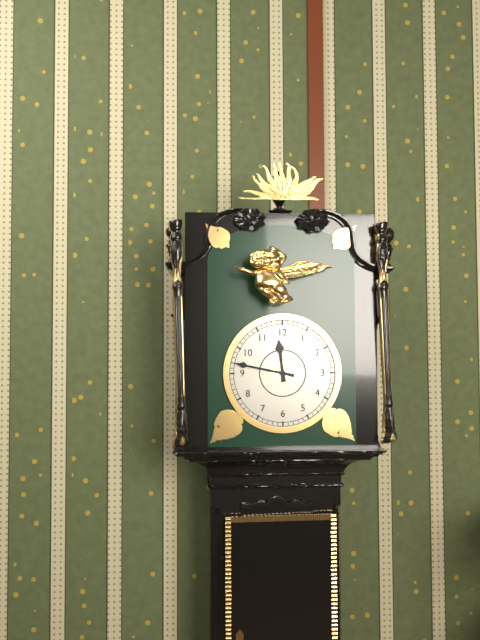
11:47
